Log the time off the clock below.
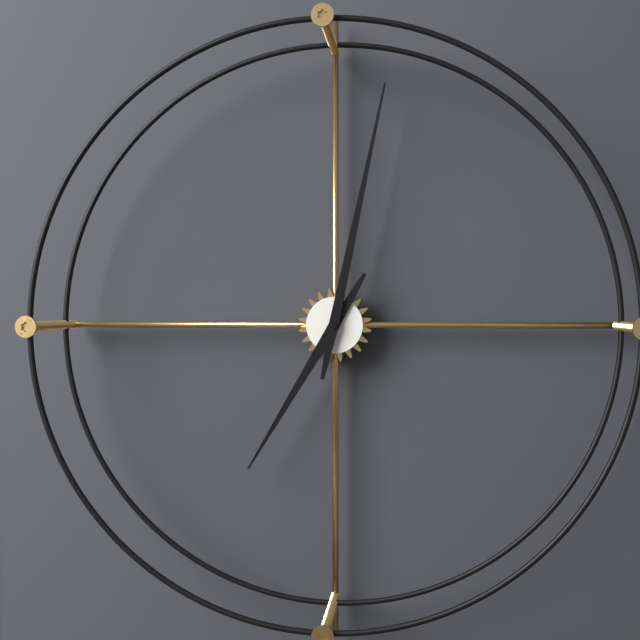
7:02
